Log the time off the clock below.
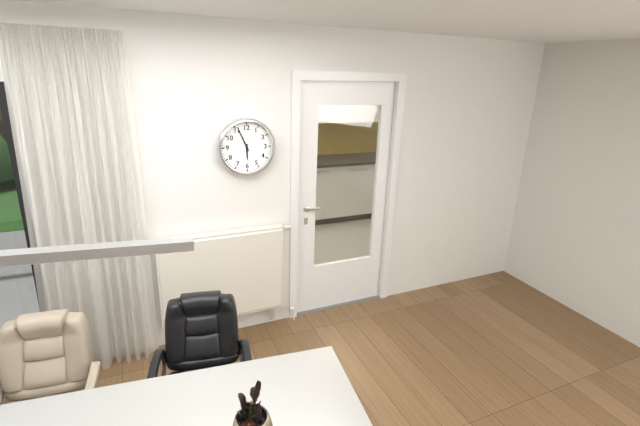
5:56
